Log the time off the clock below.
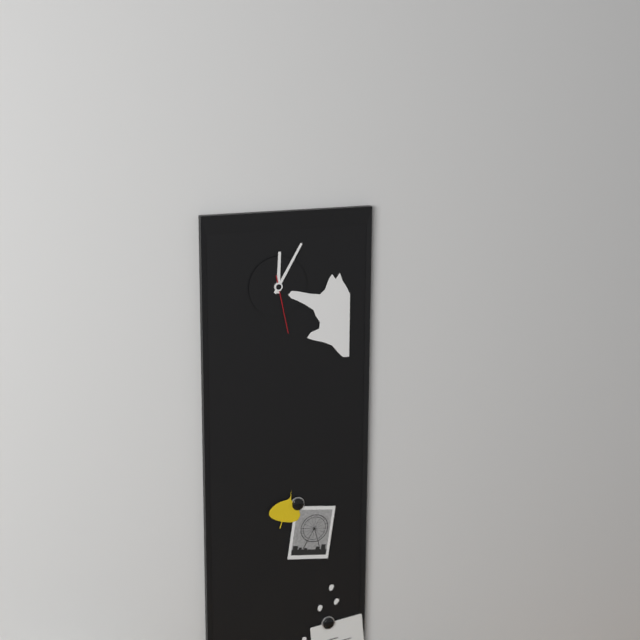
12:05:28
